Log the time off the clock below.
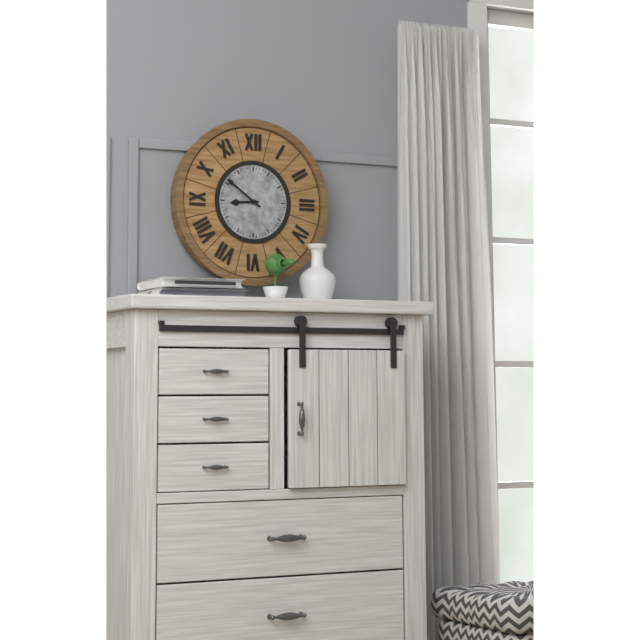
8:51
